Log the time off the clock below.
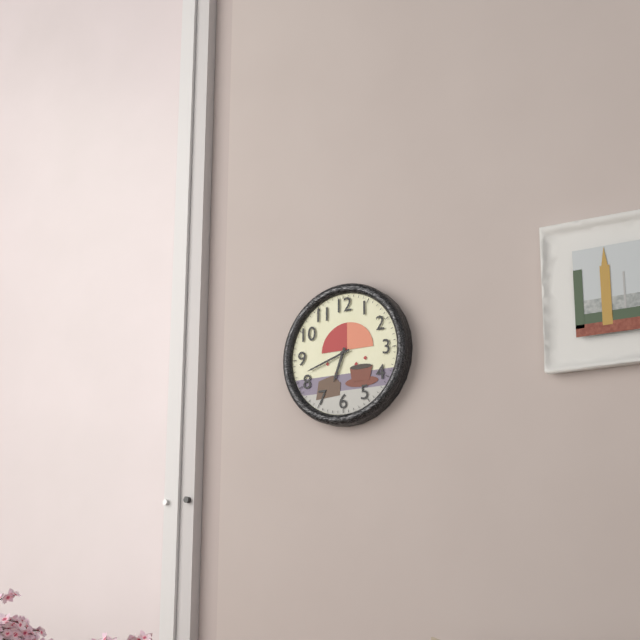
6:42
